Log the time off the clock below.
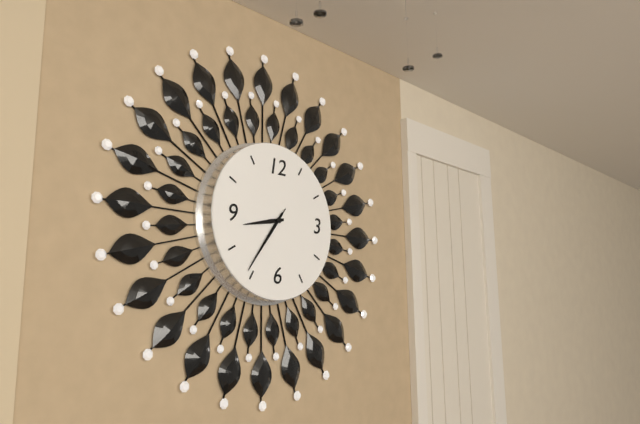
8:36:36
